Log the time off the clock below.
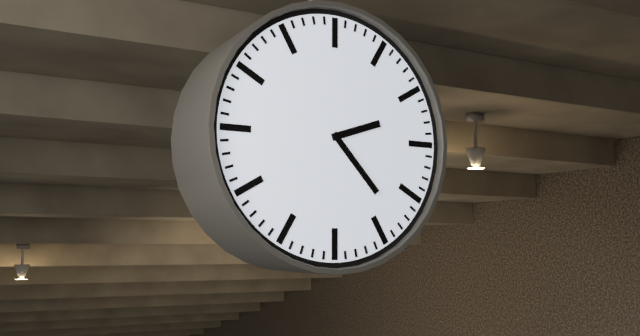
2:23
